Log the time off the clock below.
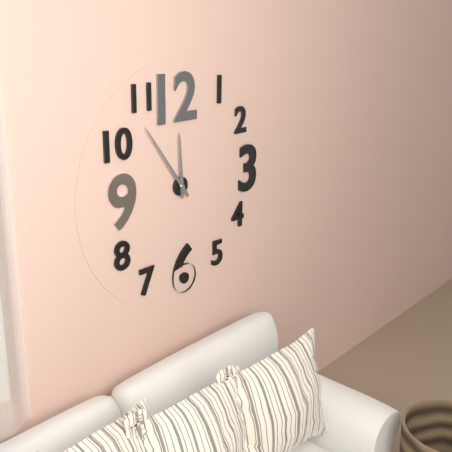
11:54
